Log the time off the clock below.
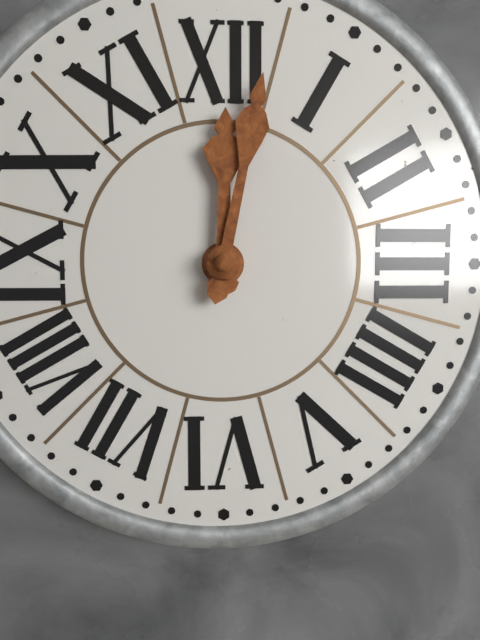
12:02
